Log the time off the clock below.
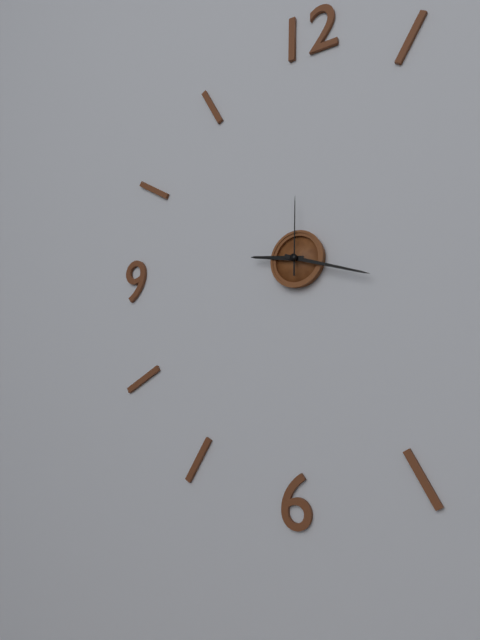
9:18:00
